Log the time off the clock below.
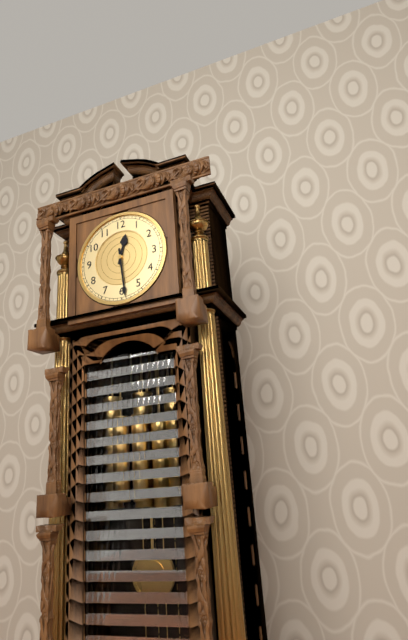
12:29
